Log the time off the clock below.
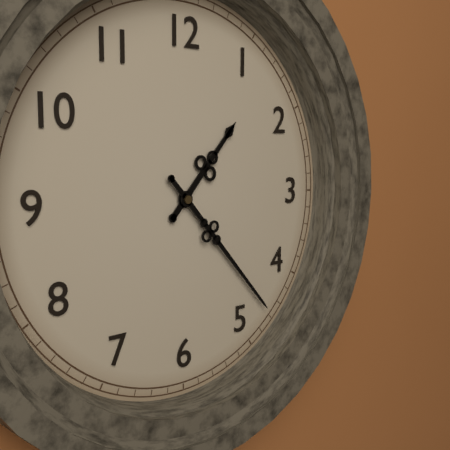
1:23
